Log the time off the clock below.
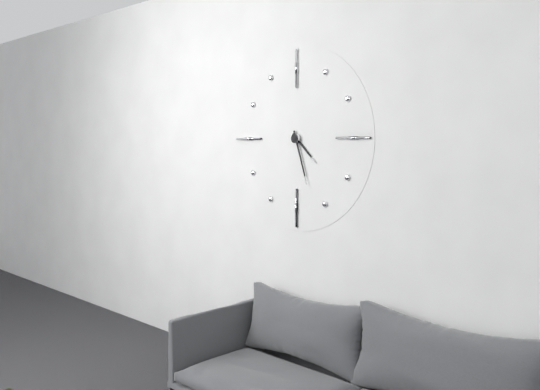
4:27
